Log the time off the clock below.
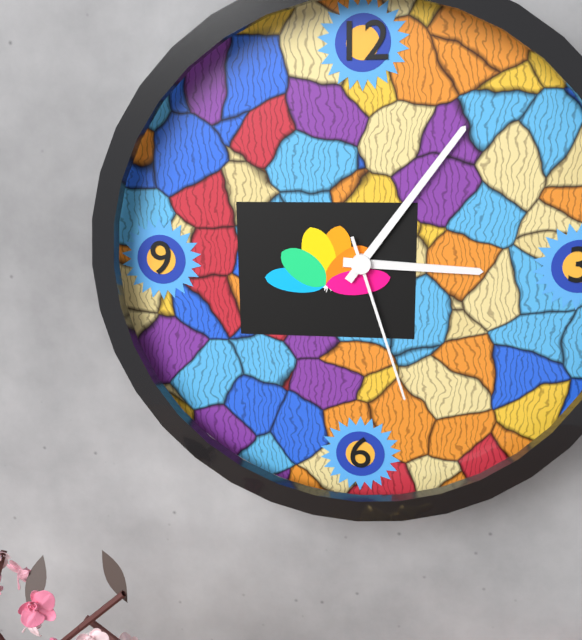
3:06:27
